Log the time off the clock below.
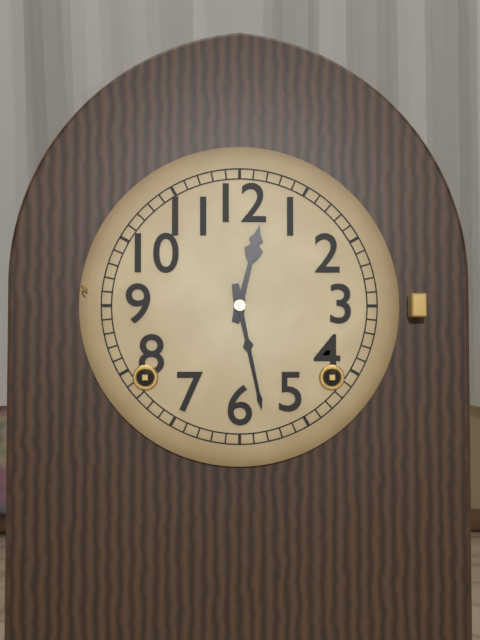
12:28
